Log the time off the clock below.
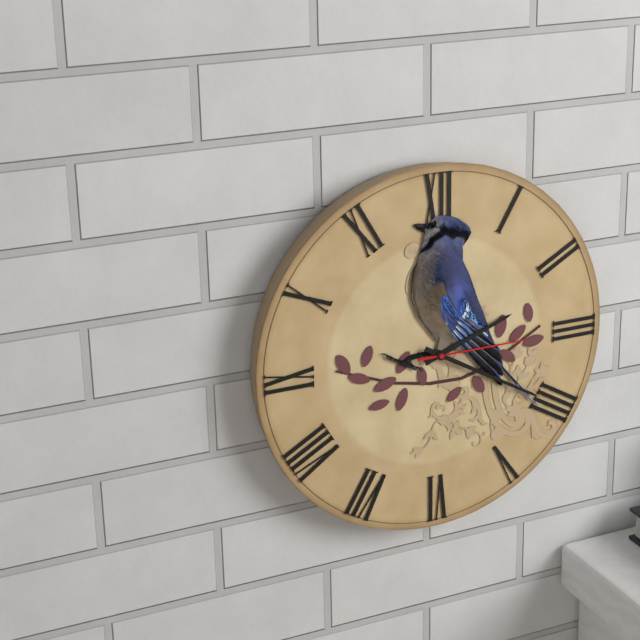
2:20:15
